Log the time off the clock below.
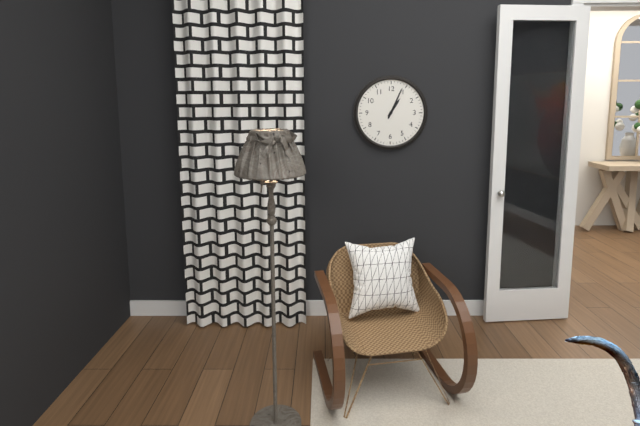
1:04
